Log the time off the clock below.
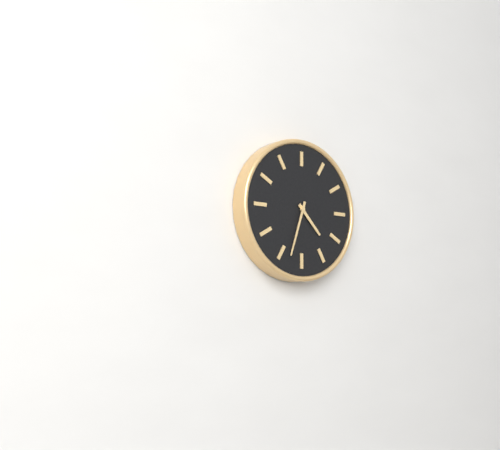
4:33
